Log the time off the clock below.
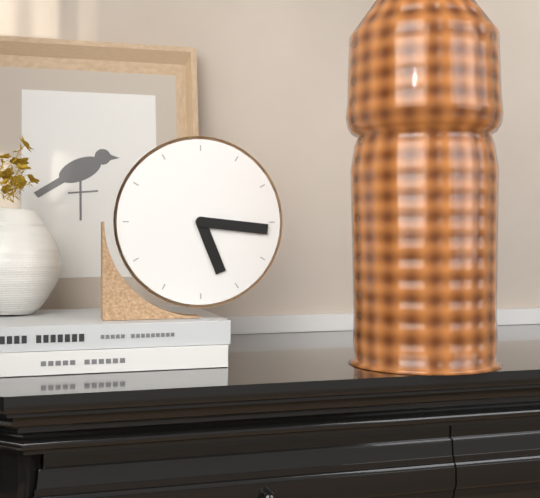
5:16
